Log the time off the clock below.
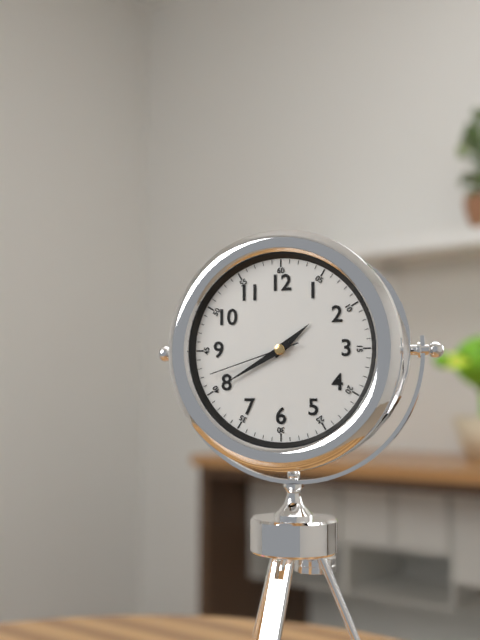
1:40:42
